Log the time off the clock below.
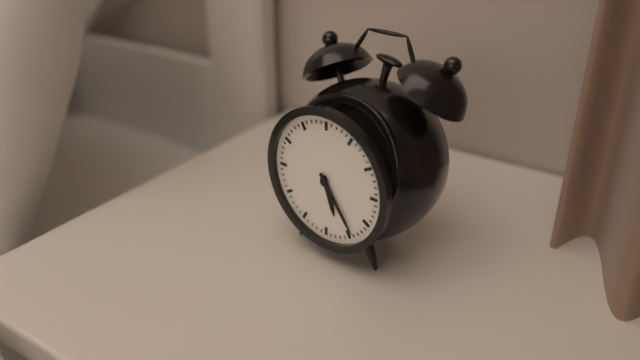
5:24
